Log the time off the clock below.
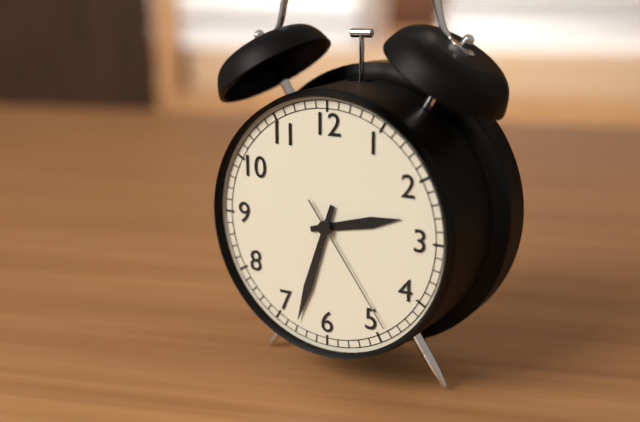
2:33:24
